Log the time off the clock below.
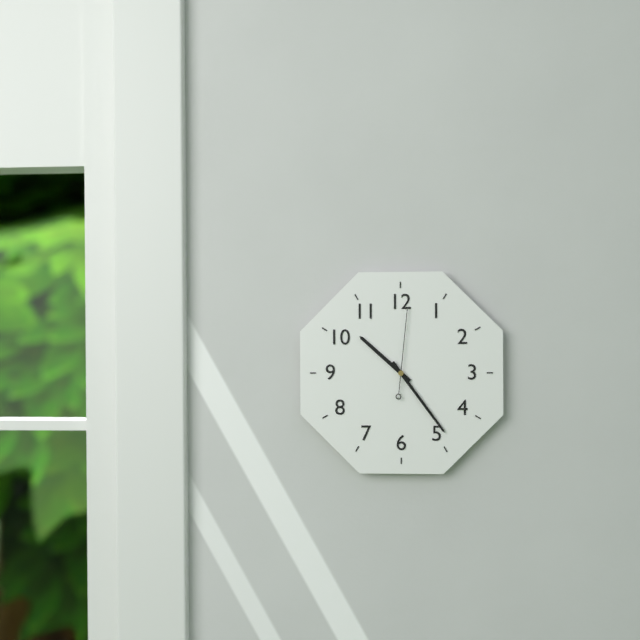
10:24:01
